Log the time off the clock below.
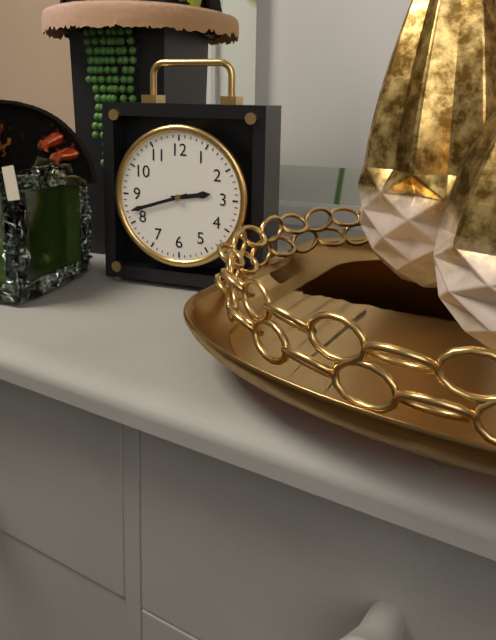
2:42
